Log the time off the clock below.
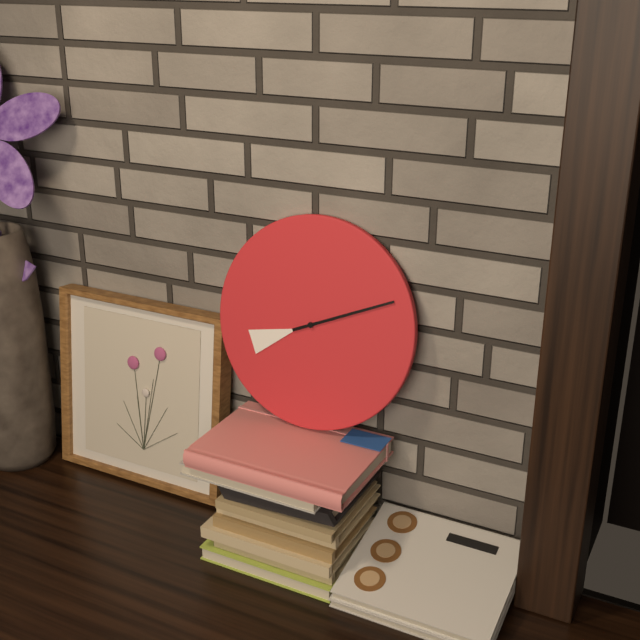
8:11
